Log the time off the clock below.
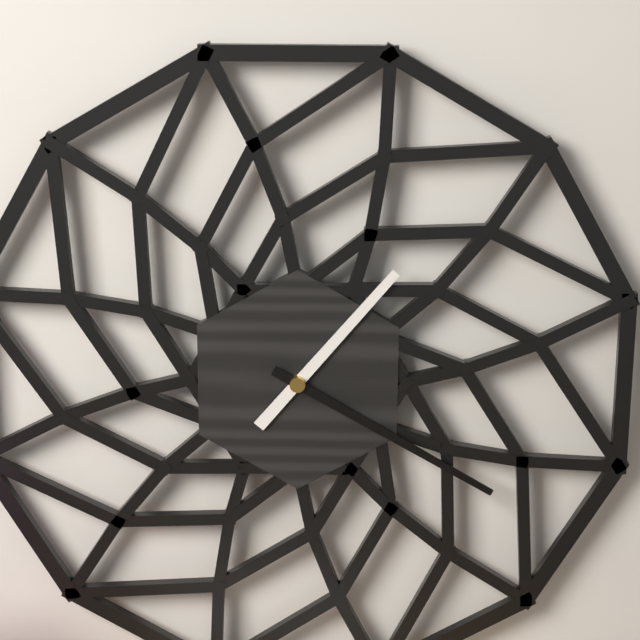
1:20
